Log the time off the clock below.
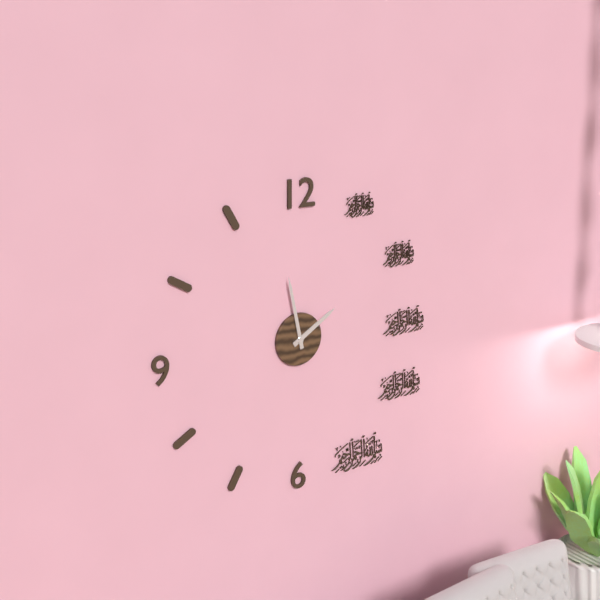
1:58
